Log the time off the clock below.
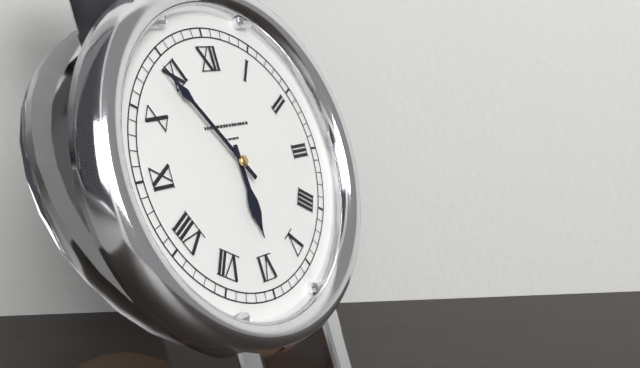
5:54
